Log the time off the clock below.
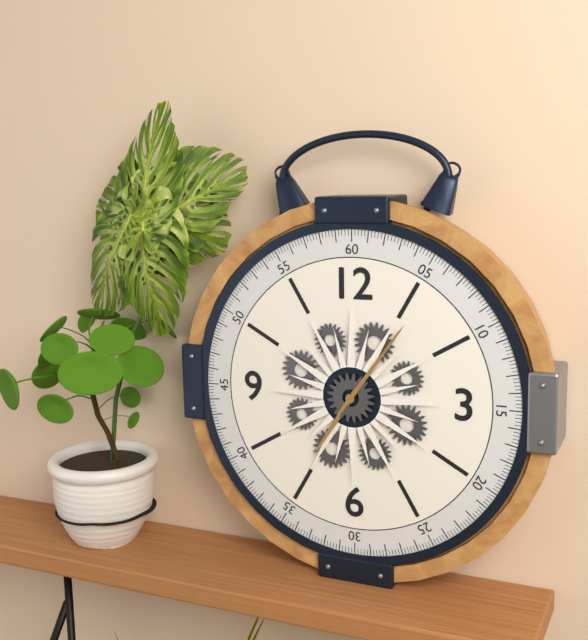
7:06
